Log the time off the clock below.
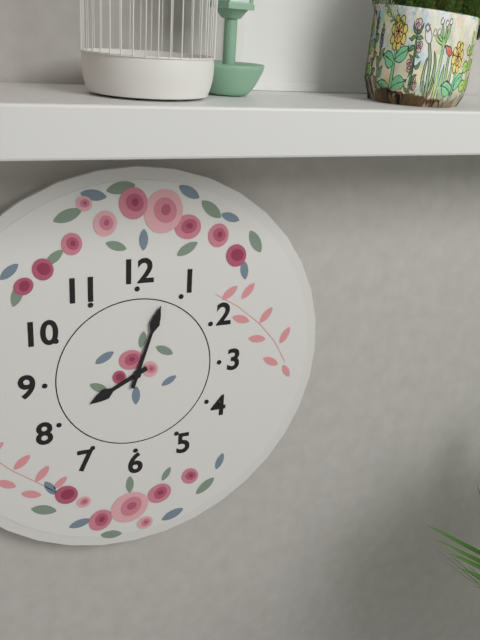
8:03
